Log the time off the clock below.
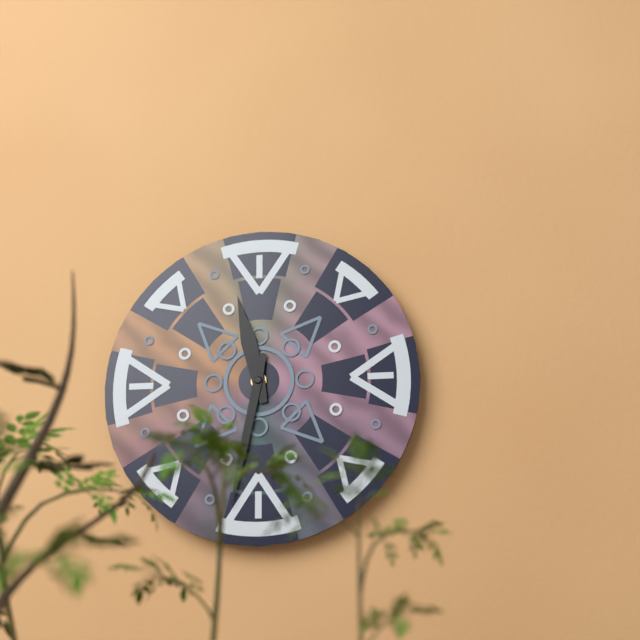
11:32
